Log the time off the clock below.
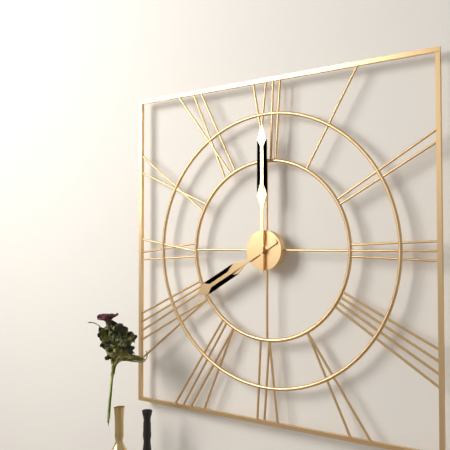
8:00
